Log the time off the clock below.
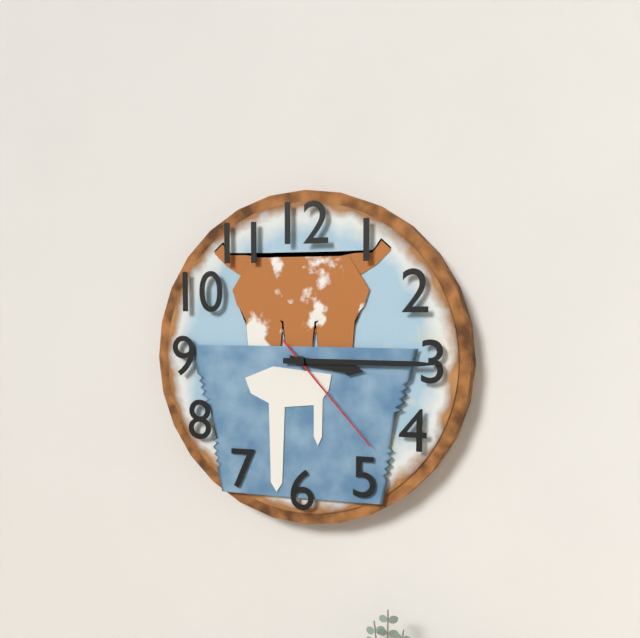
3:15:23
